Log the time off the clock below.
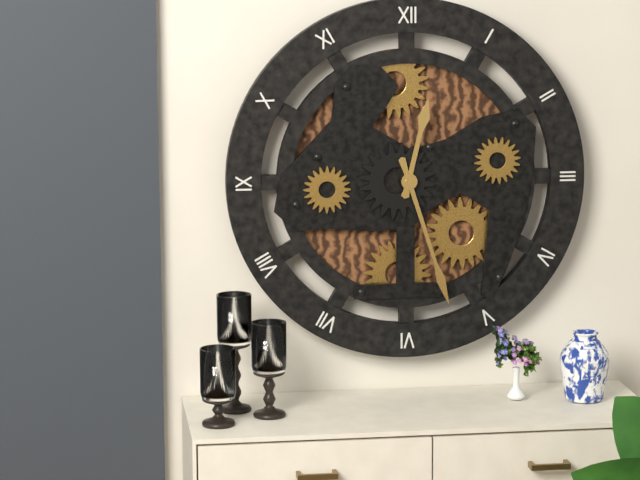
12:27
